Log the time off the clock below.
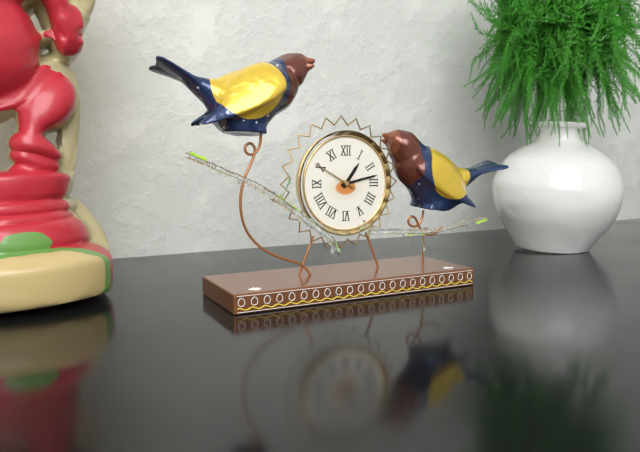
1:13
